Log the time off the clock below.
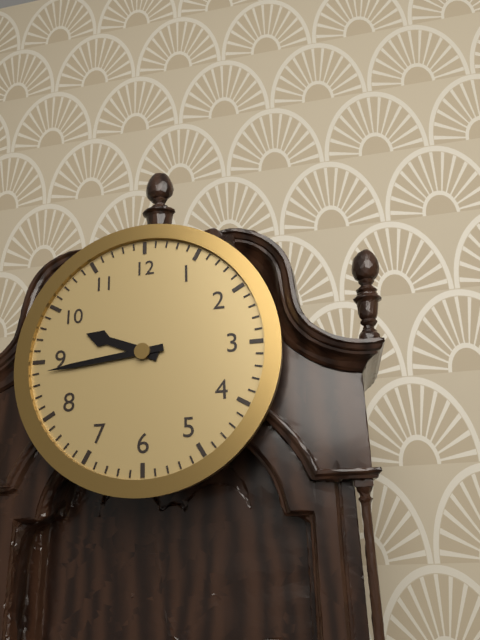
9:44
